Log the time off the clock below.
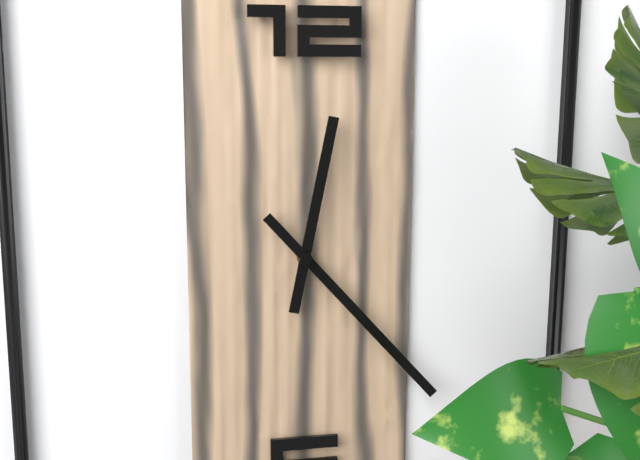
12:23
